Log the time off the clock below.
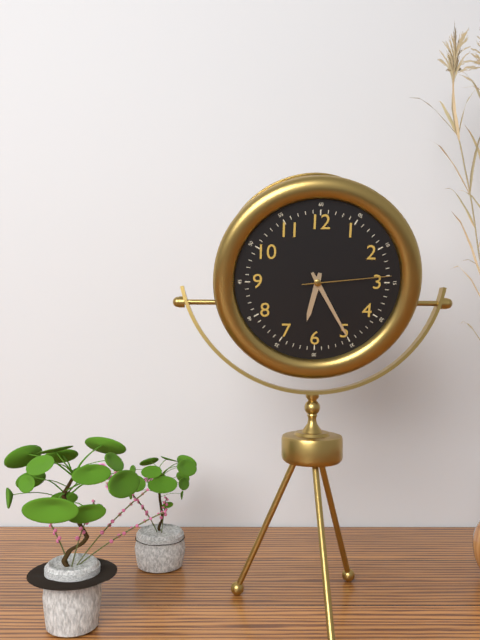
6:25:14
